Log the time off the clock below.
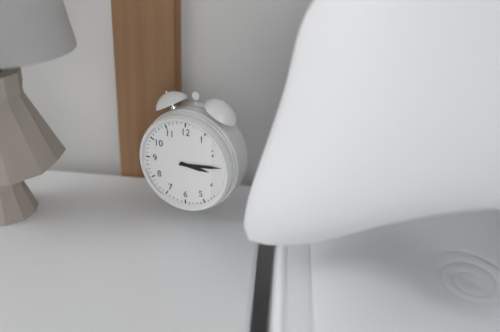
3:14
